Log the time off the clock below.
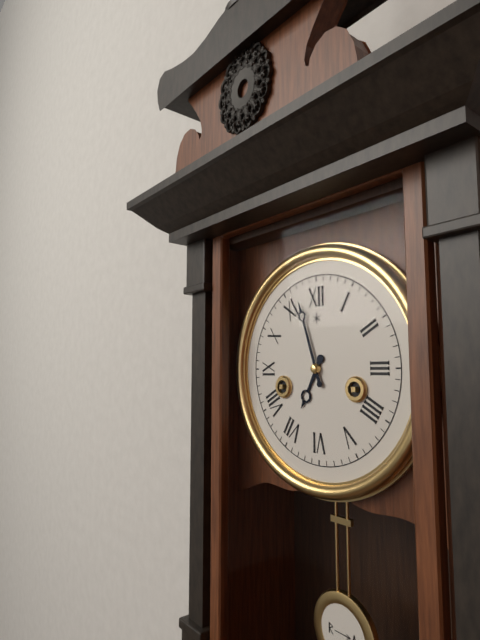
6:57
